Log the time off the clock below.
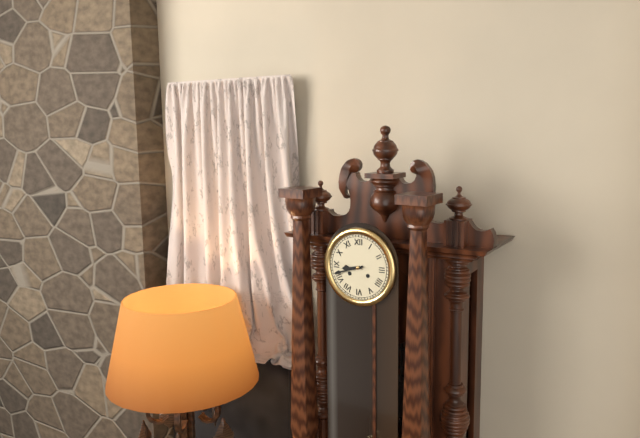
8:42
